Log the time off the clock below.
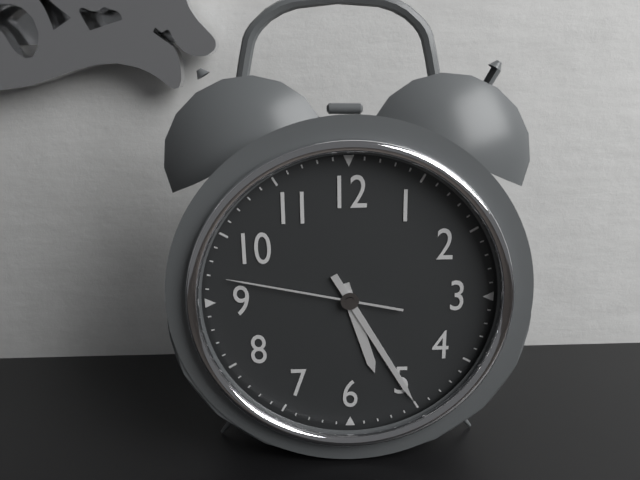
5:25:47
